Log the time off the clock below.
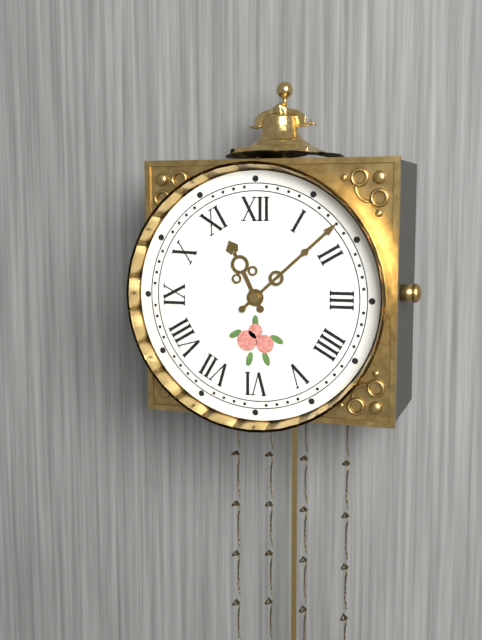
11:08
